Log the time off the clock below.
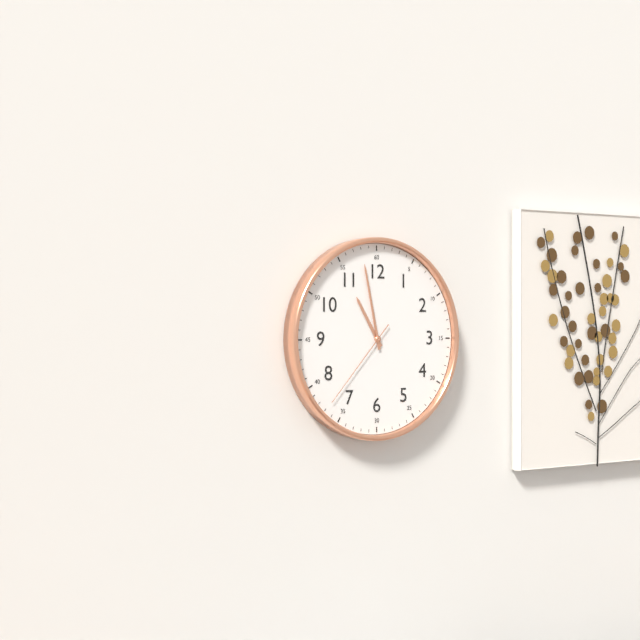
10:58:37
